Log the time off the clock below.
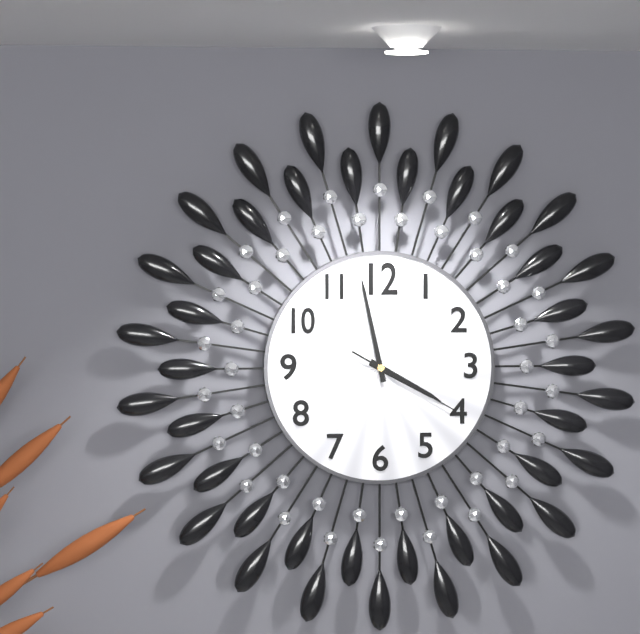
3:58:20
